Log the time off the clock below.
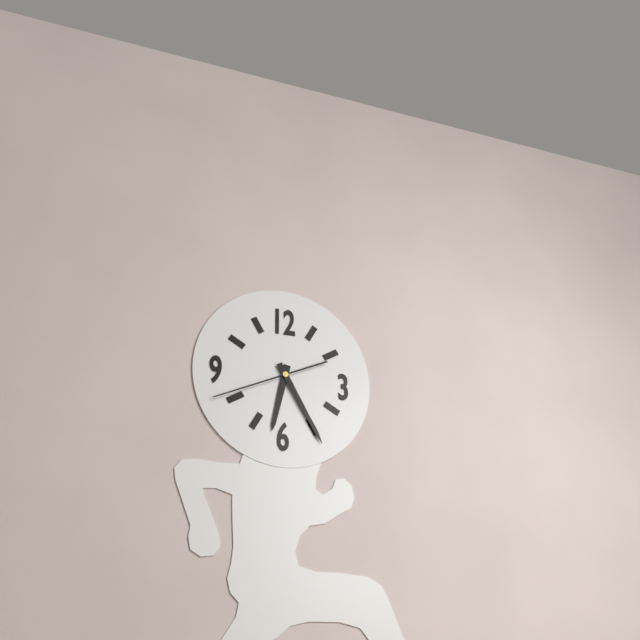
6:25:41
